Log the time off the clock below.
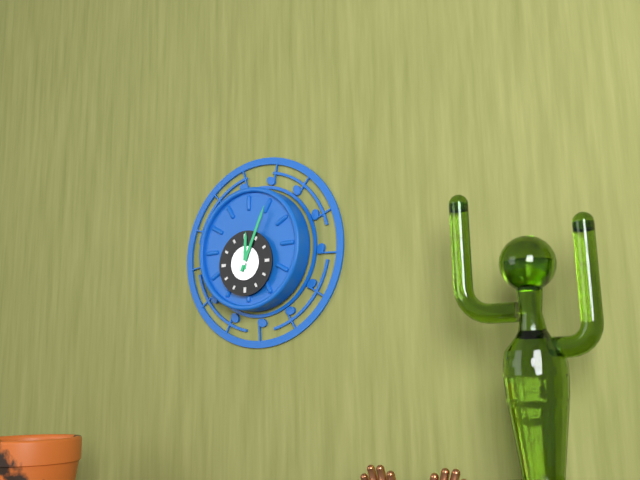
12:04
